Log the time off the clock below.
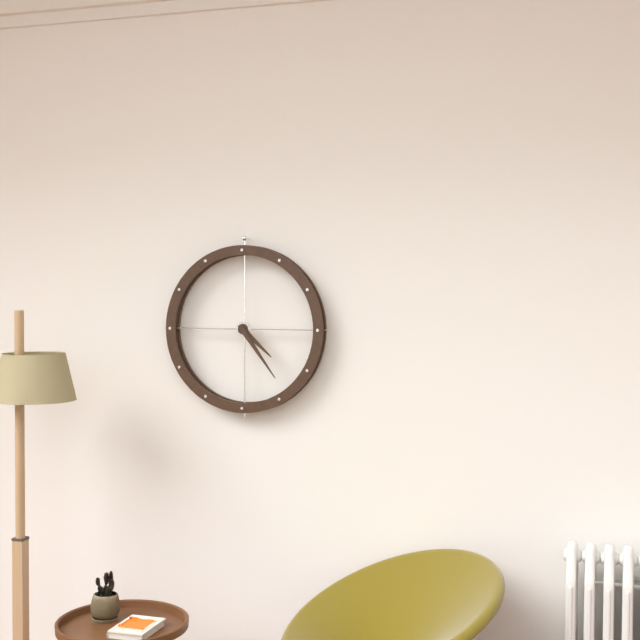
4:24
